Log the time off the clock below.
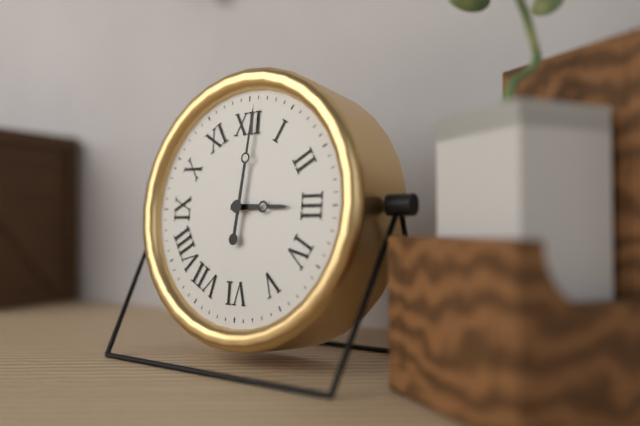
3:01
